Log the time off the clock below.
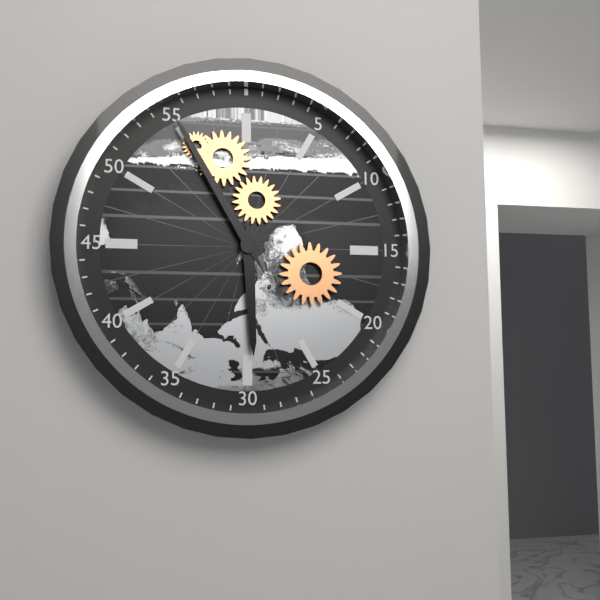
5:55
